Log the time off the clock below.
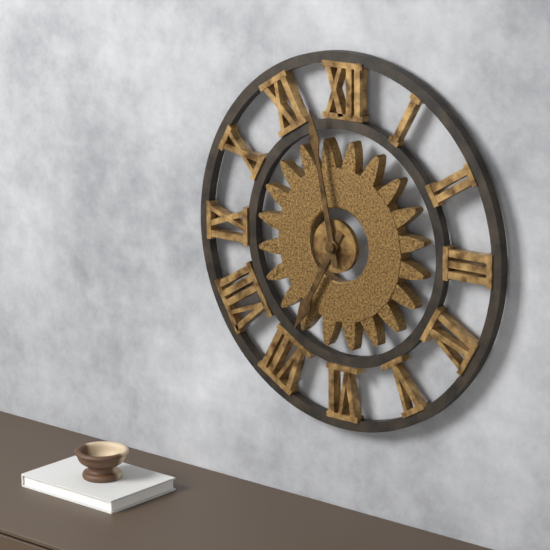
6:58
